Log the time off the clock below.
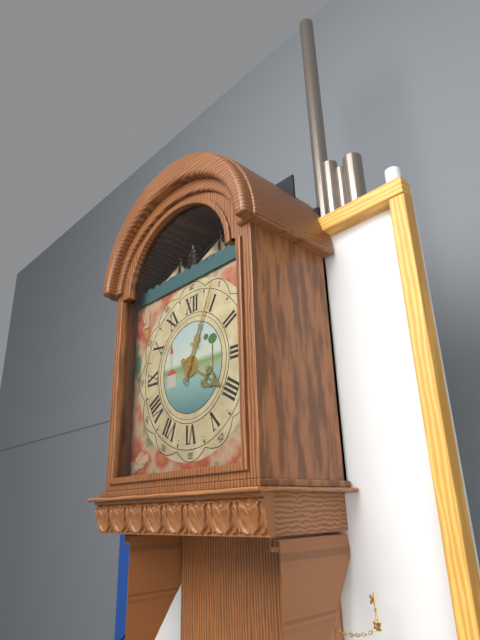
4:04
